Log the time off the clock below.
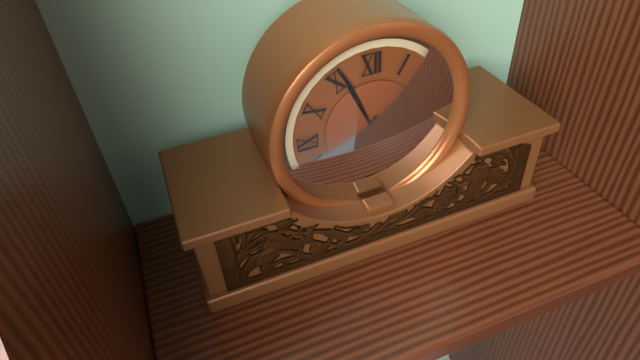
6:56
